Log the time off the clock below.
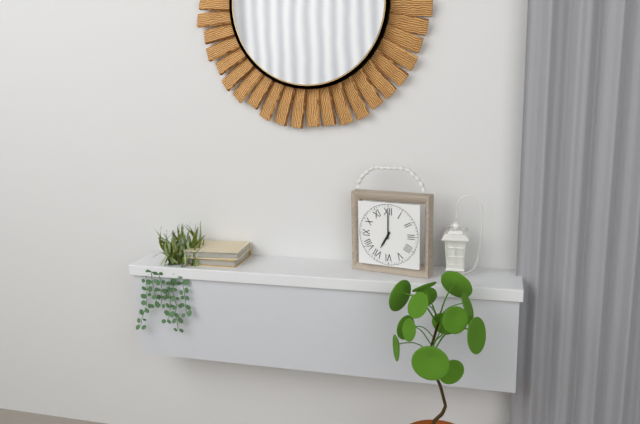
7:00
